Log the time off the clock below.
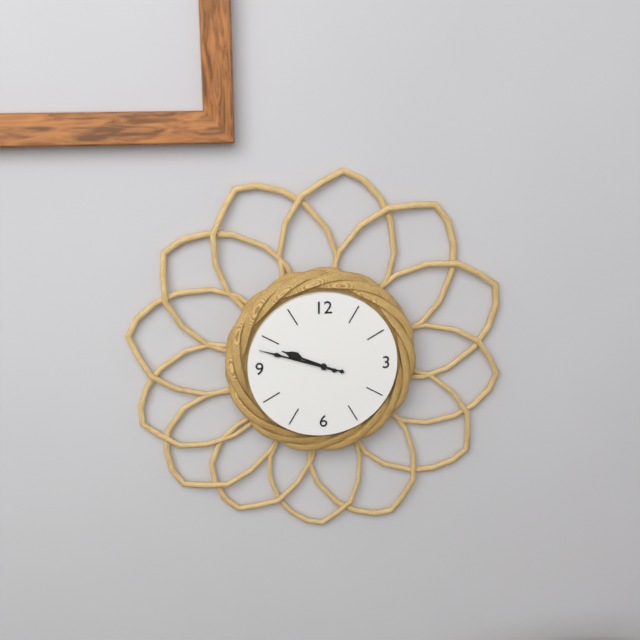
9:48
